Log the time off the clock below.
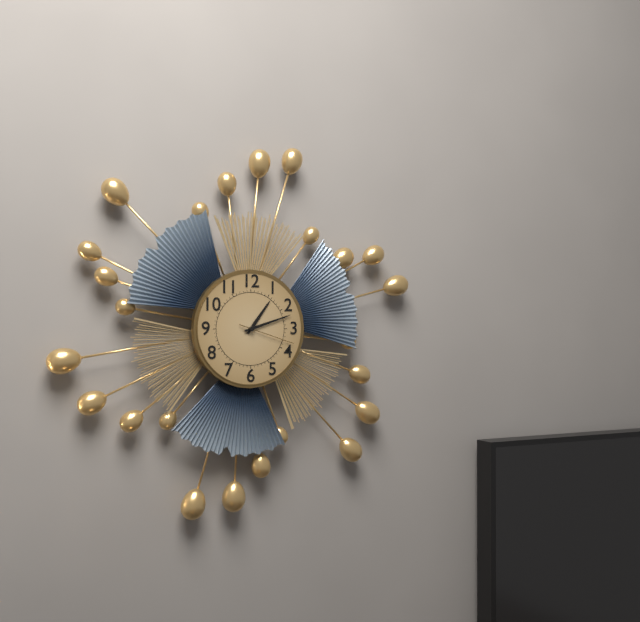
1:12:18
